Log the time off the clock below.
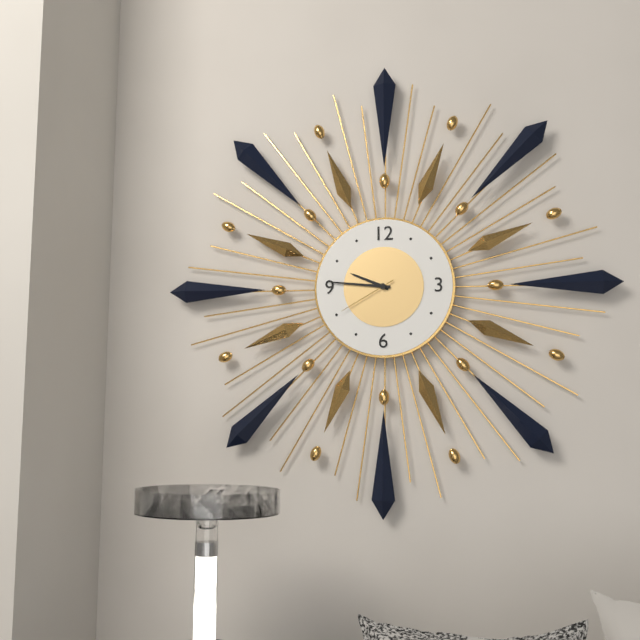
9:46:40
